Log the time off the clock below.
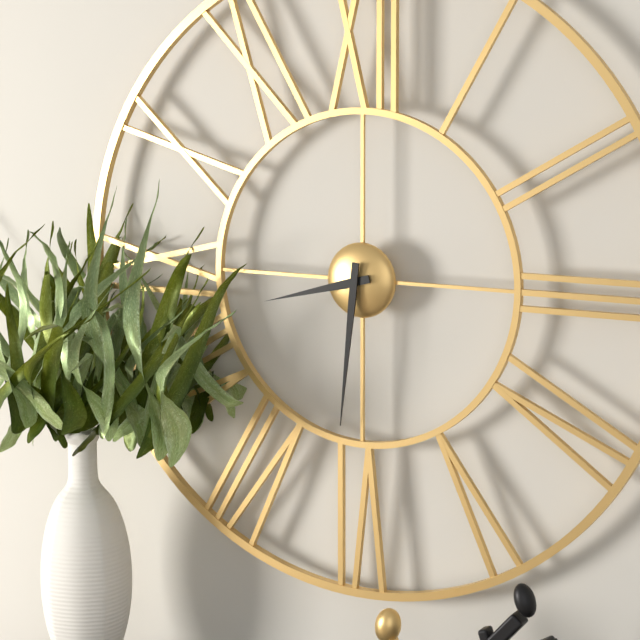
8:31
